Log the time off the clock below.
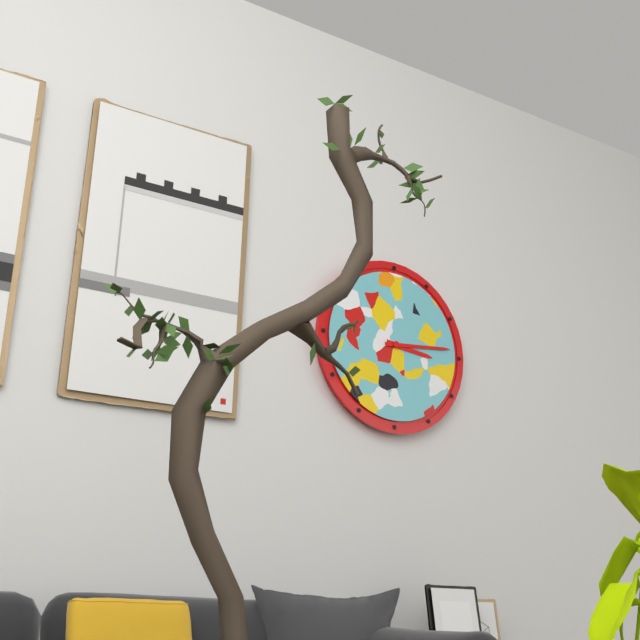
3:14
